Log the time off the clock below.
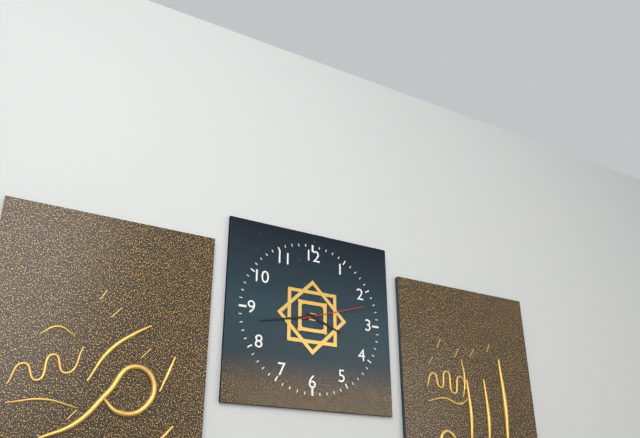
3:43:12
